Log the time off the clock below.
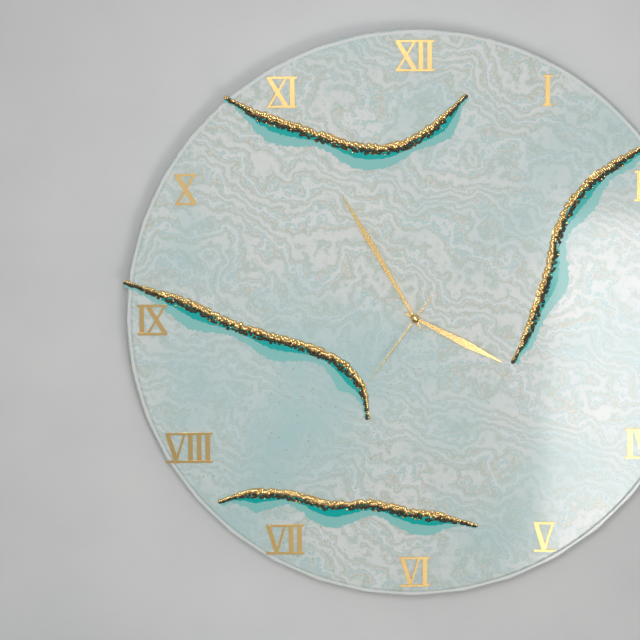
3:55:36
